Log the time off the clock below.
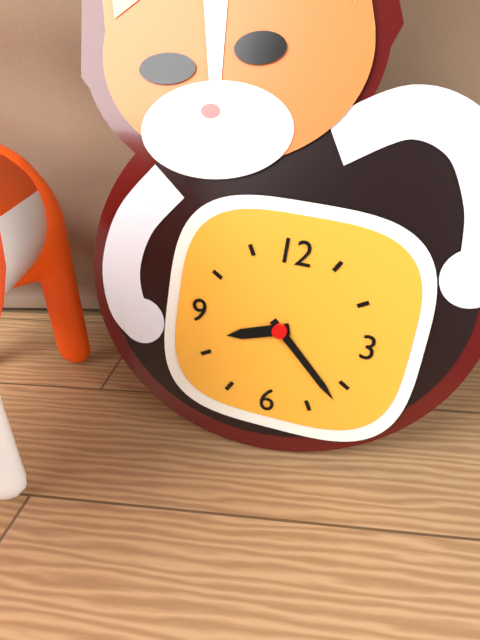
8:22
